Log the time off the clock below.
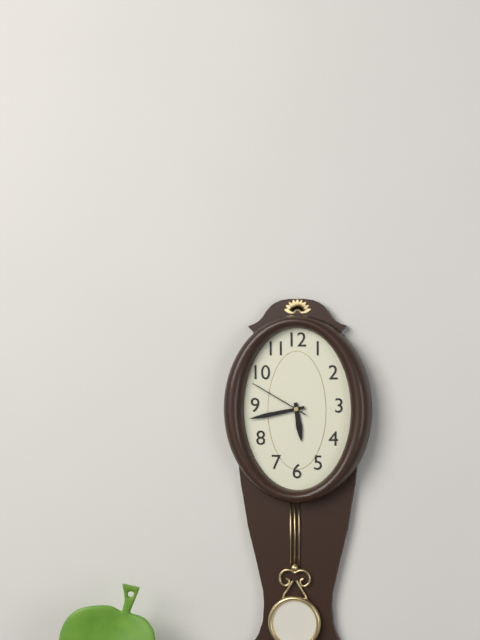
5:43:50
